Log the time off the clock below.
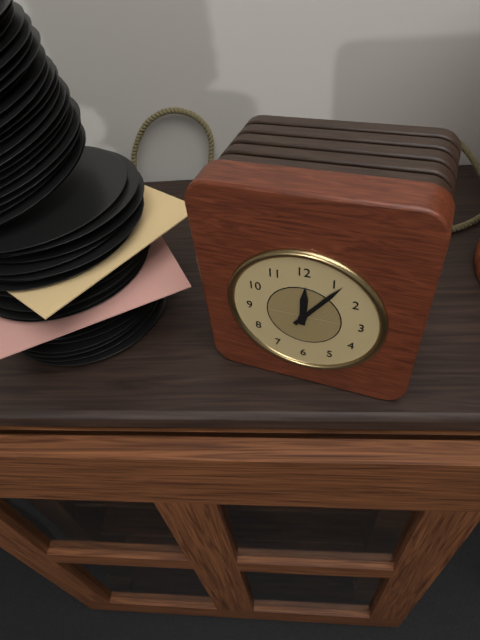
12:06
